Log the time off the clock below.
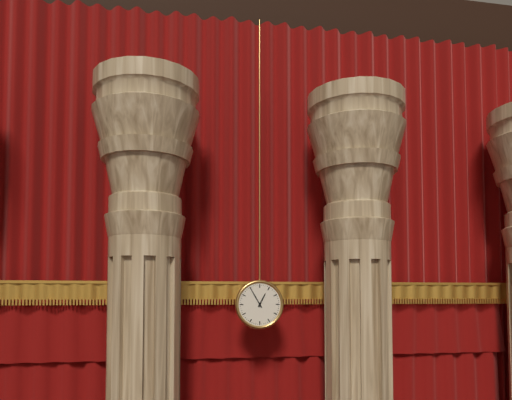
12:55
